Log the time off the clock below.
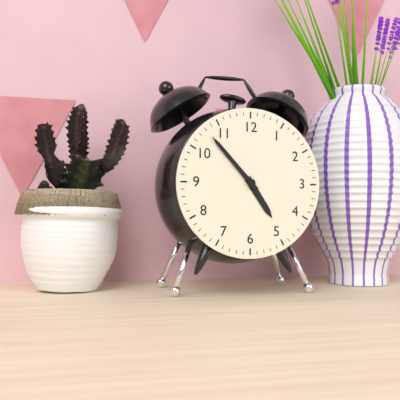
4:53
